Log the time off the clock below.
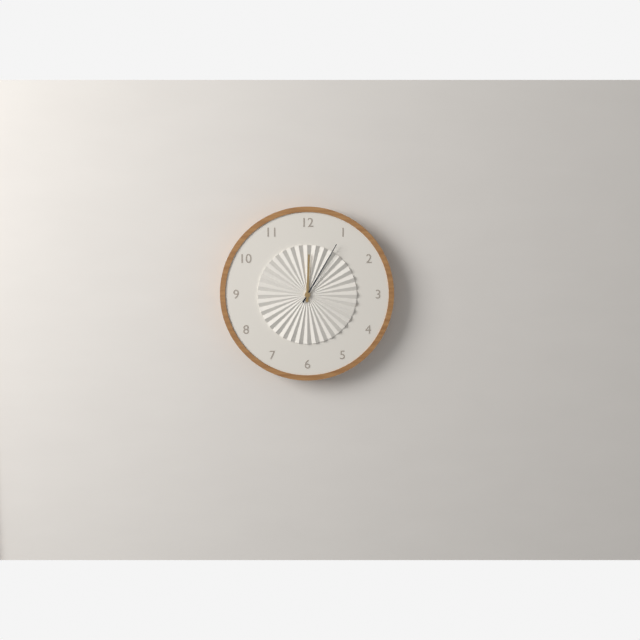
12:05
